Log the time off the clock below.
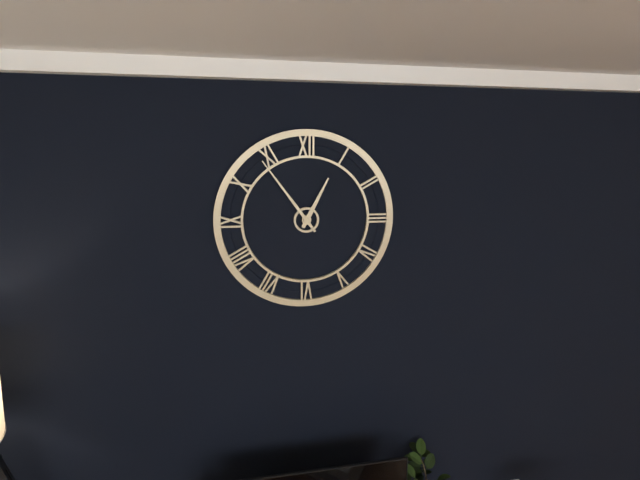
12:54
